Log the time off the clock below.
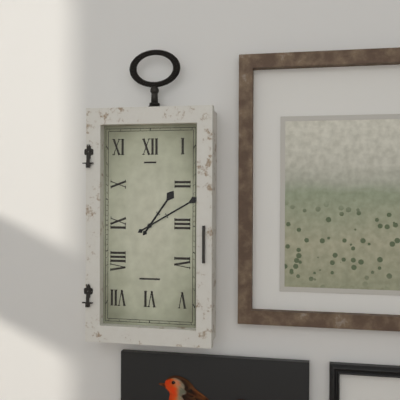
1:10
